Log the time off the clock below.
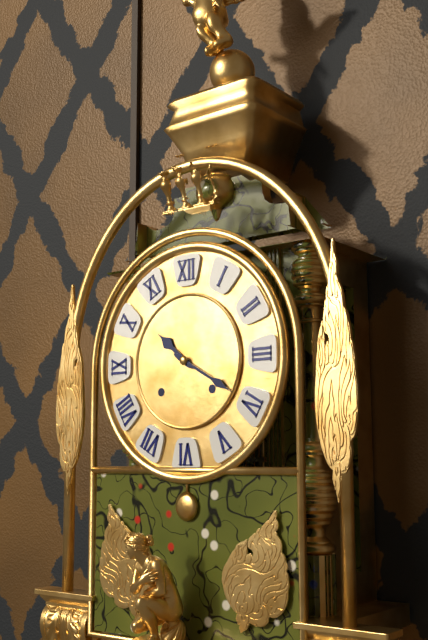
10:20
